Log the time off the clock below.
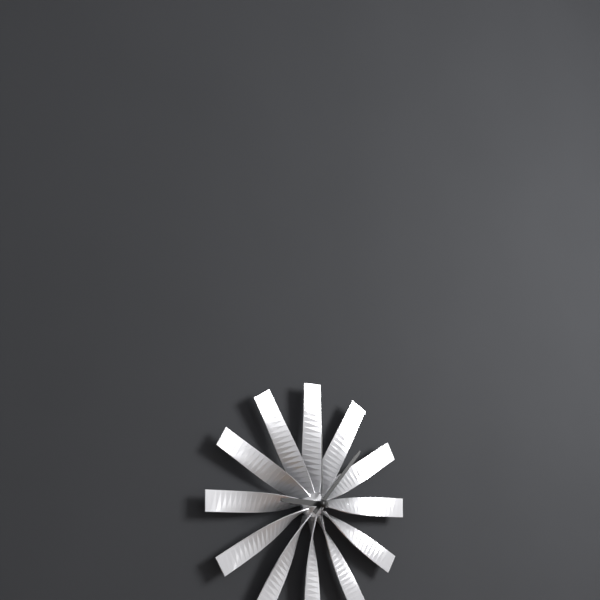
9:07:00
